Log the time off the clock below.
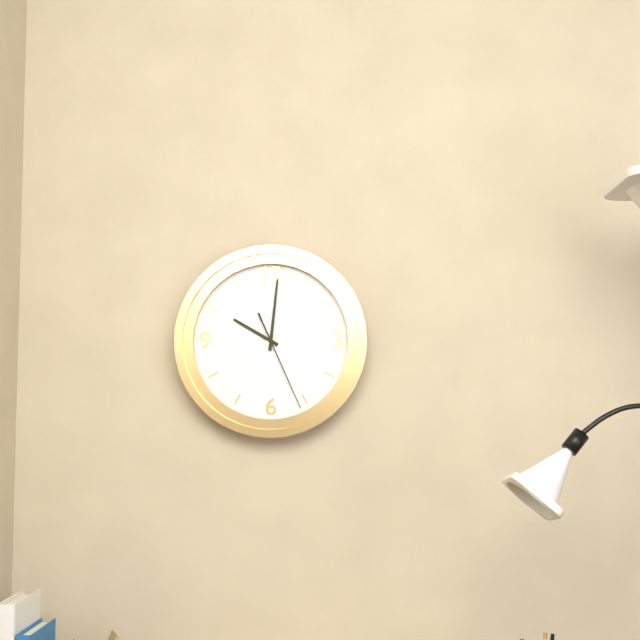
10:01:26
